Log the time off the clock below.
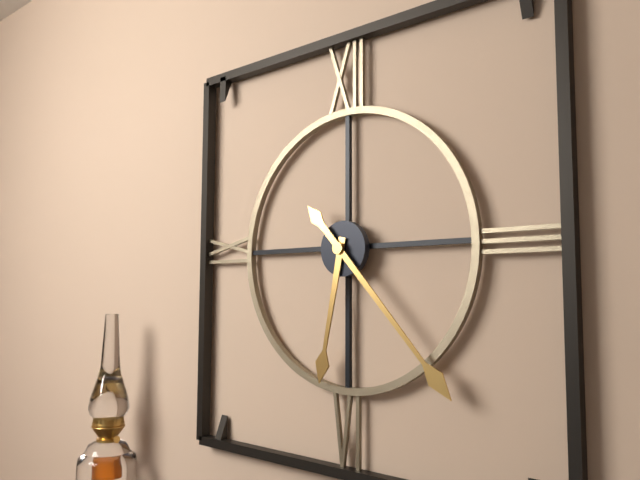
6:23
